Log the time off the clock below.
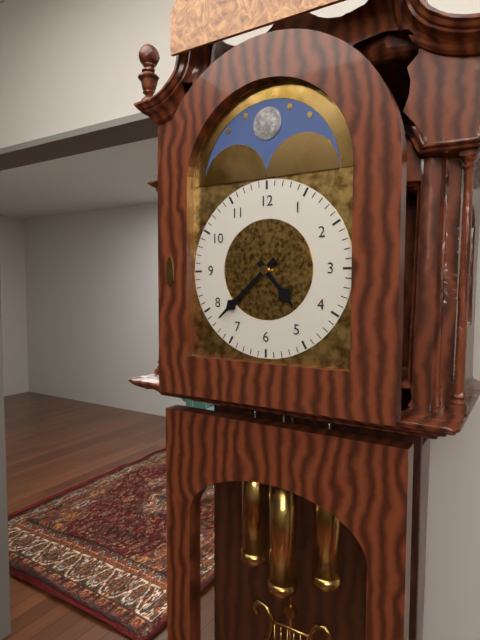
4:38
